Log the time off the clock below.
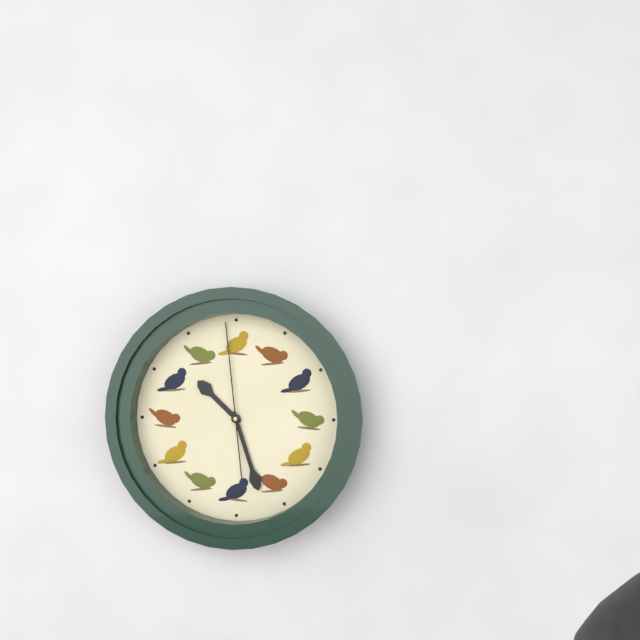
10:27:59
